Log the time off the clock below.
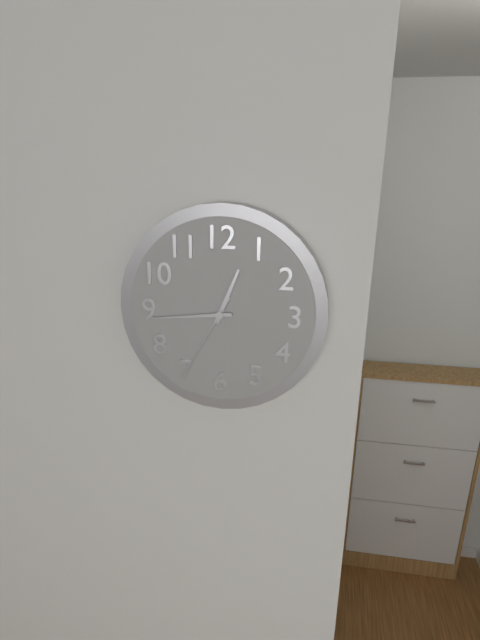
12:44:35
